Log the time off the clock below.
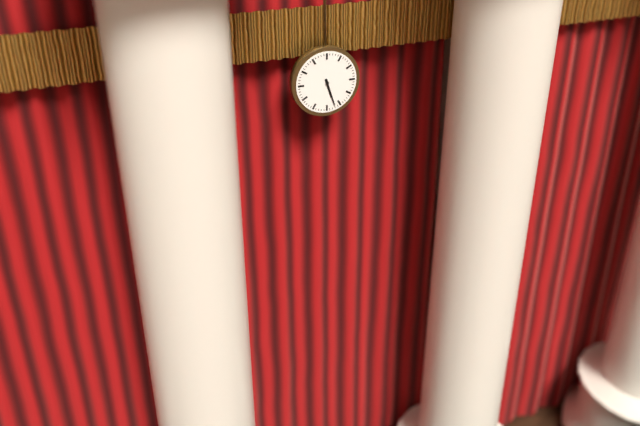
5:27
